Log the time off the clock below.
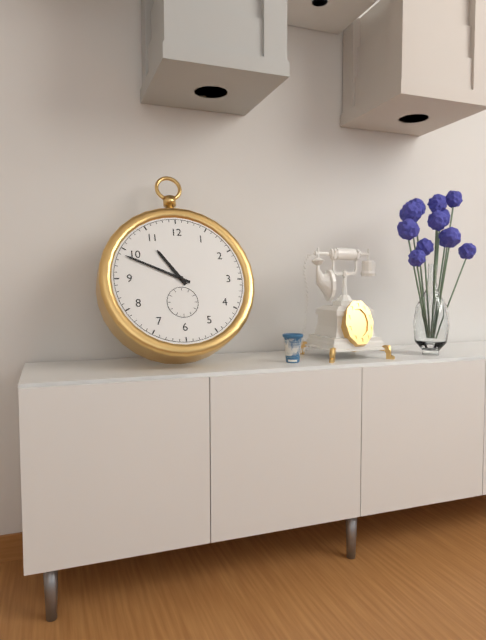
10:49
